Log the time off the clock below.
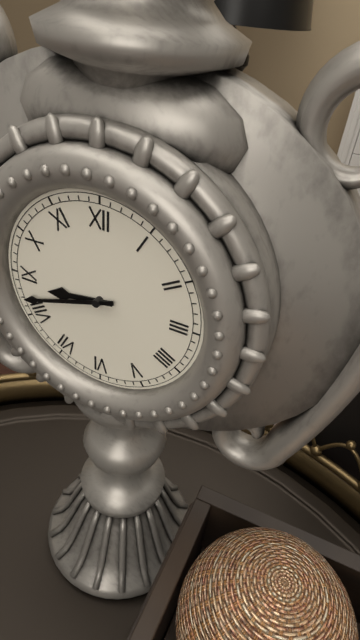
8:42
